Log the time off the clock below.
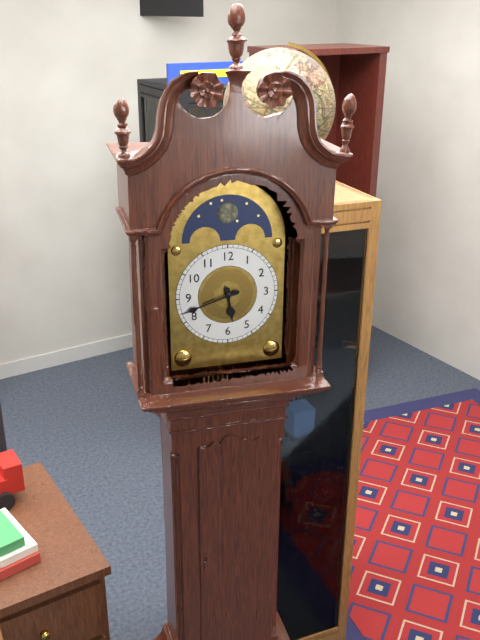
5:42
